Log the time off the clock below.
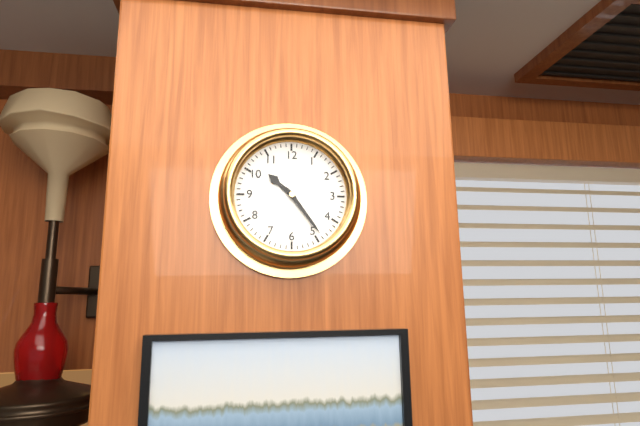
10:24
